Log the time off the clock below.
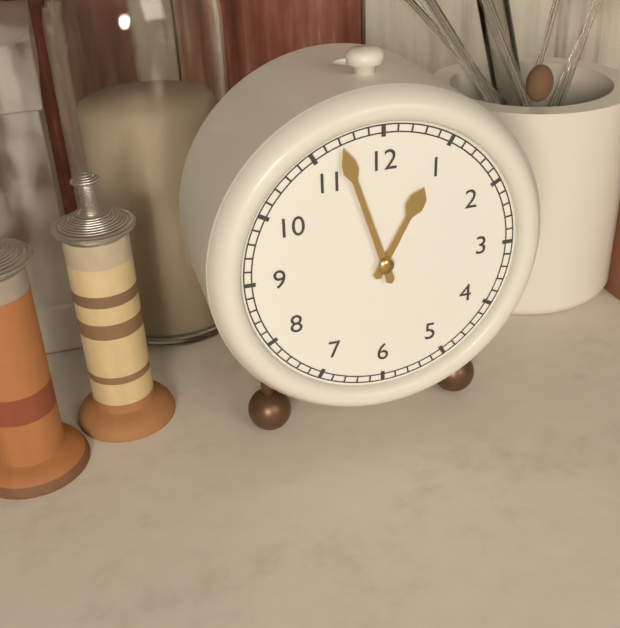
12:57
